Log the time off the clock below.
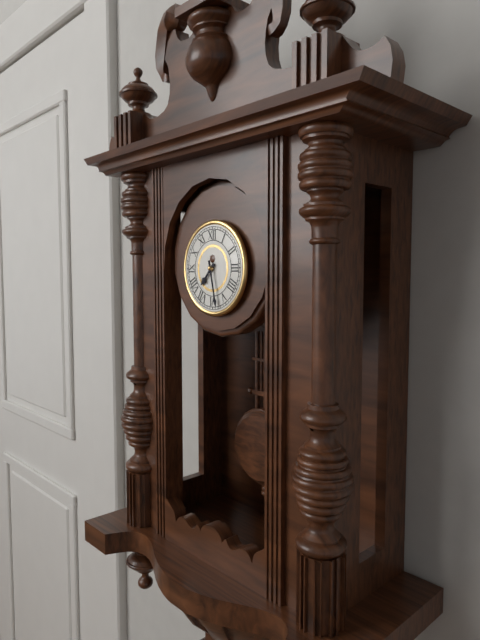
7:28
